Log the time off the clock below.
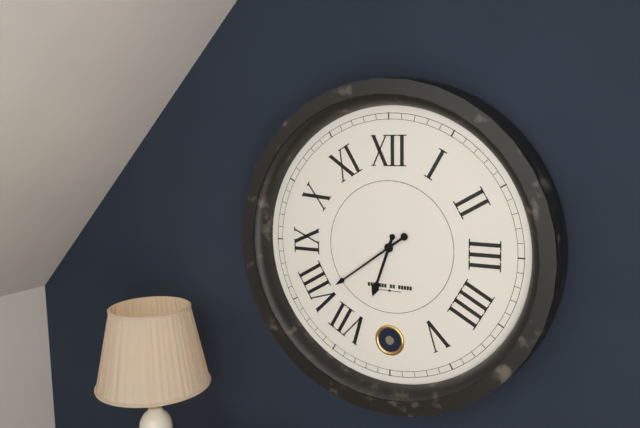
6:39
